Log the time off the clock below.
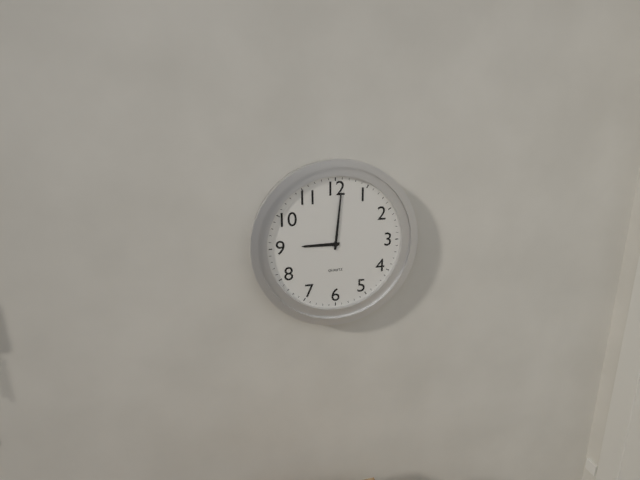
9:01
